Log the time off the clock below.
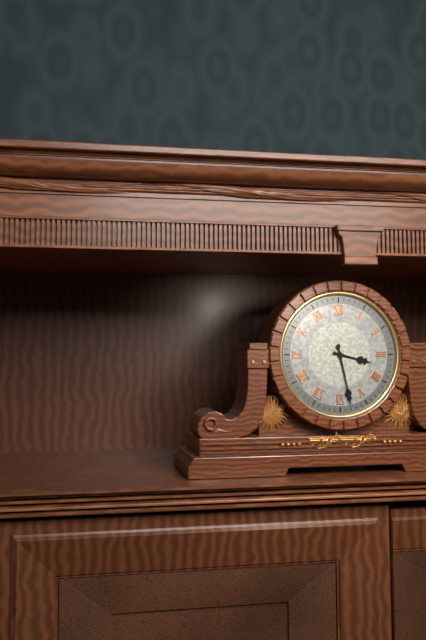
3:28
